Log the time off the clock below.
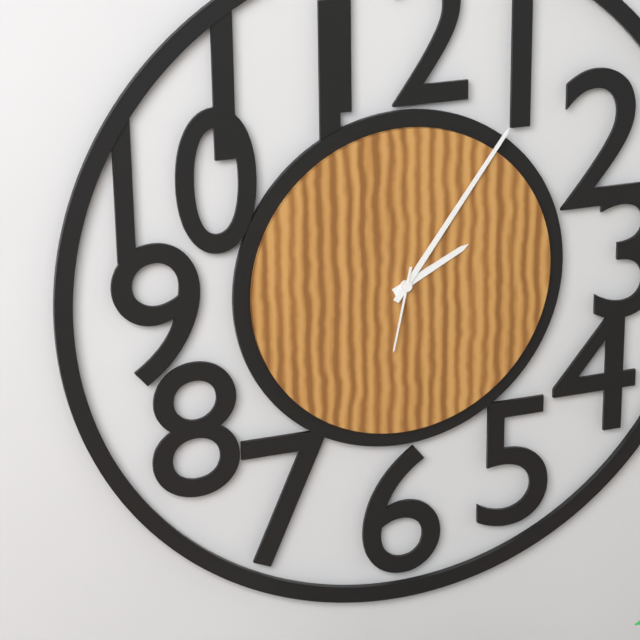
2:06:32
